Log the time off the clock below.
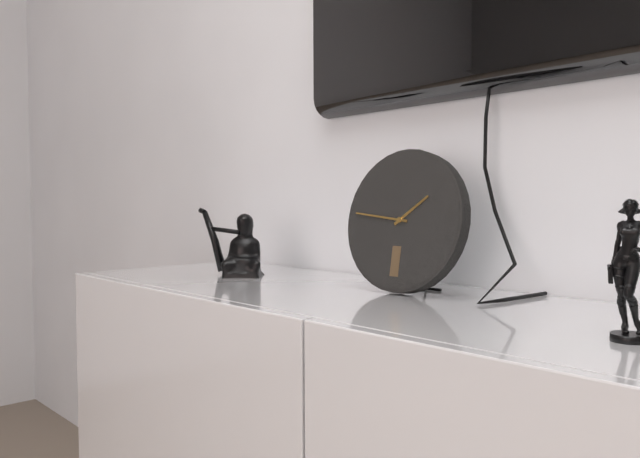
1:46
